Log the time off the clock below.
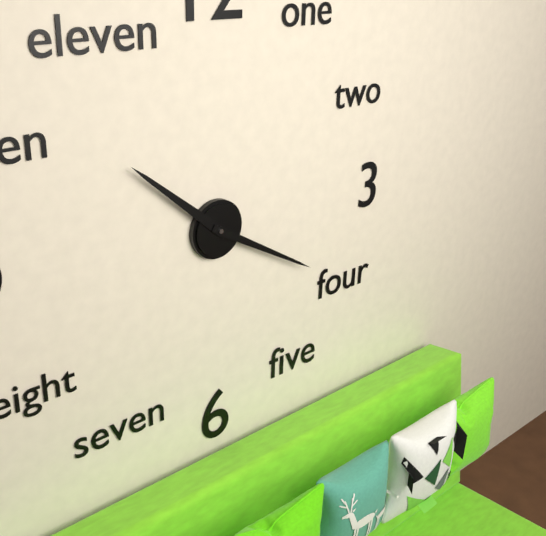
10:20
